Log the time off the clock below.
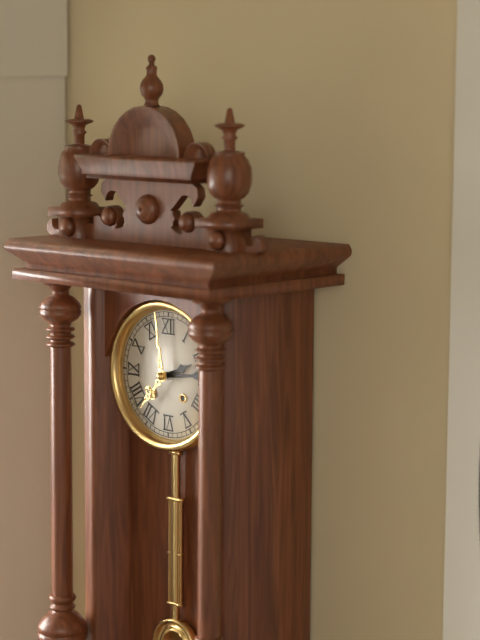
2:14
